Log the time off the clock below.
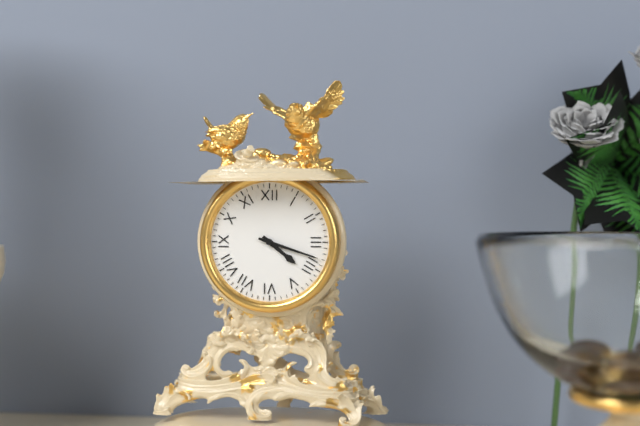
4:18
